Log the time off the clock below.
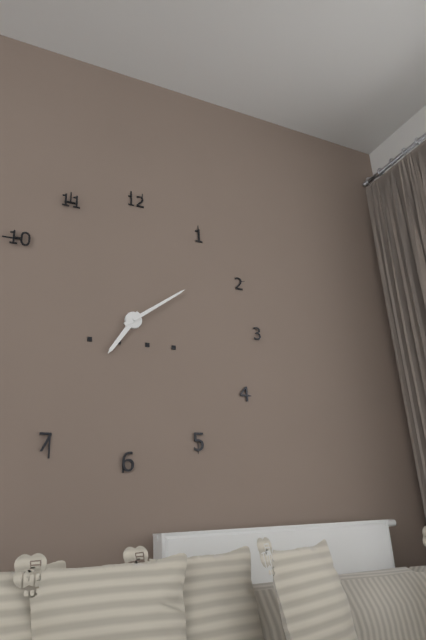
7:09
